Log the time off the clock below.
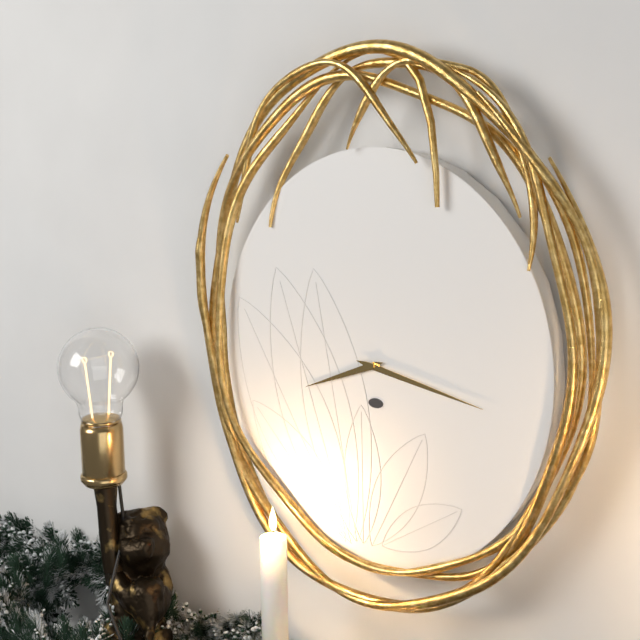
8:17
